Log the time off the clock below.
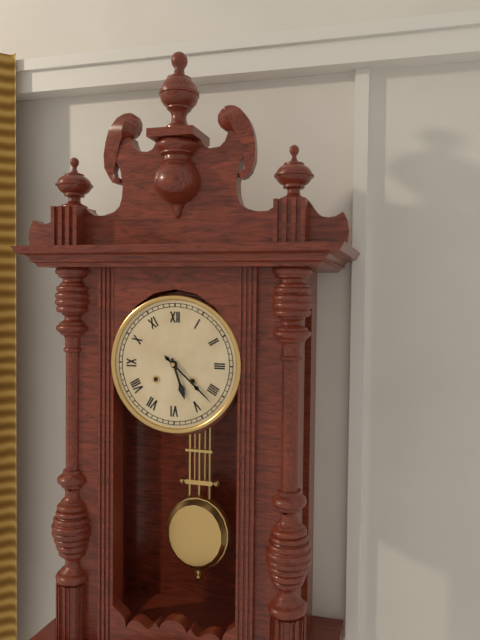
5:22
